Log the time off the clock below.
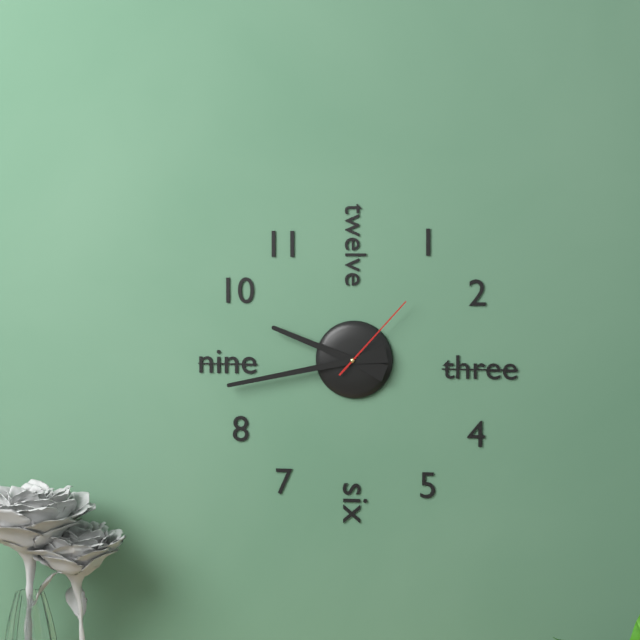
9:43:07
